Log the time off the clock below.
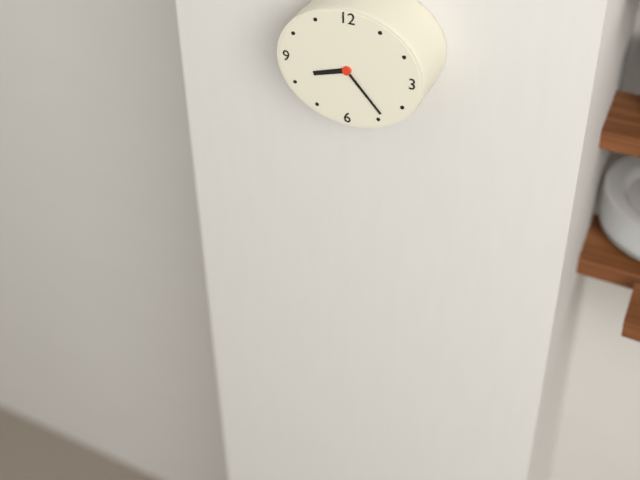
8:23
